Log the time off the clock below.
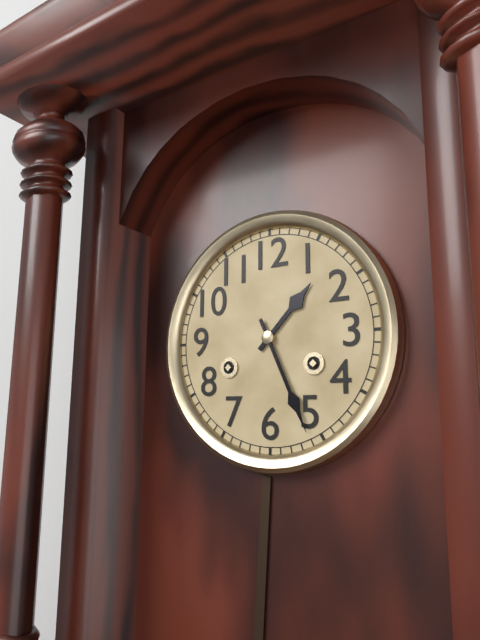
1:26
